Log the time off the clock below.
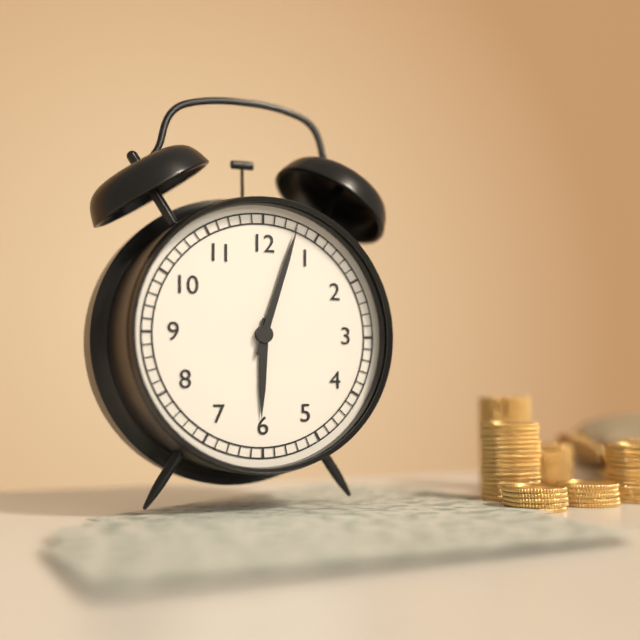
6:03
